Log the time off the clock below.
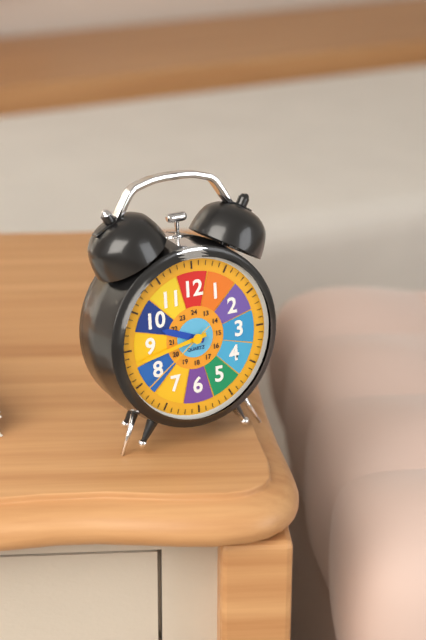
9:43:39
